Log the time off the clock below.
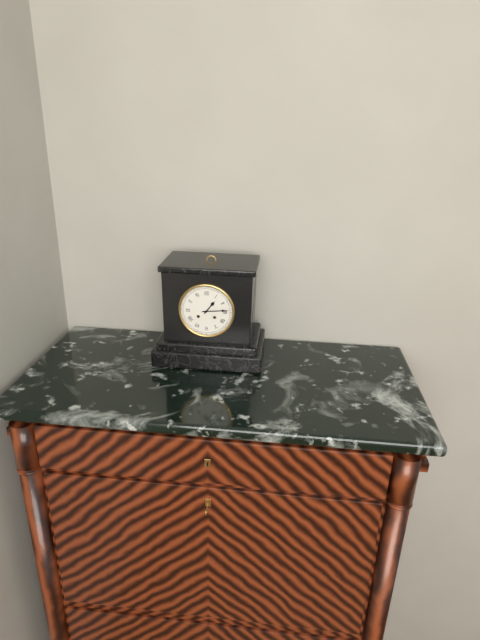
1:14
